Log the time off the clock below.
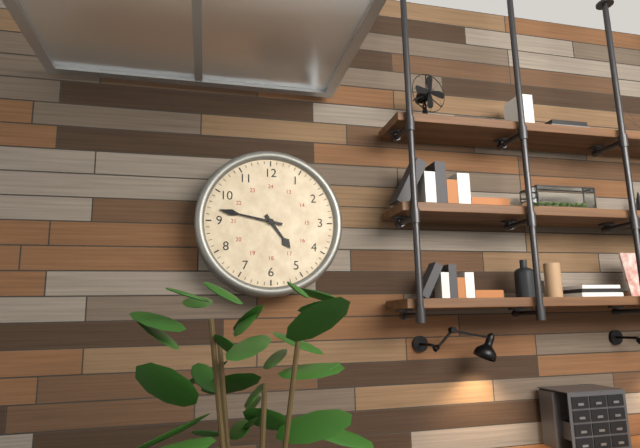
4:47
